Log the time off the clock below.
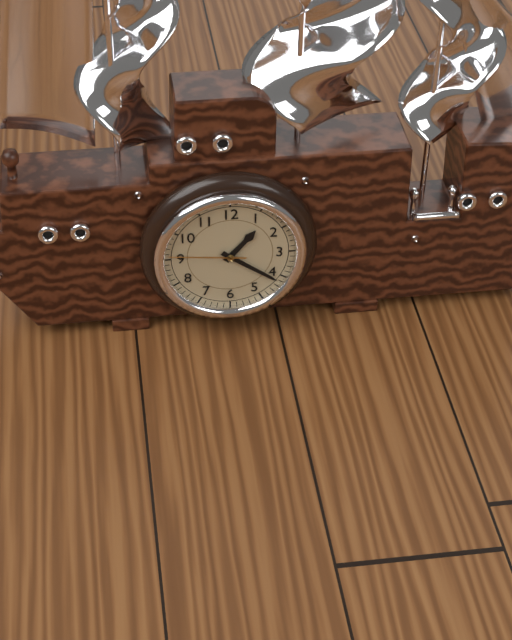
1:21:46
